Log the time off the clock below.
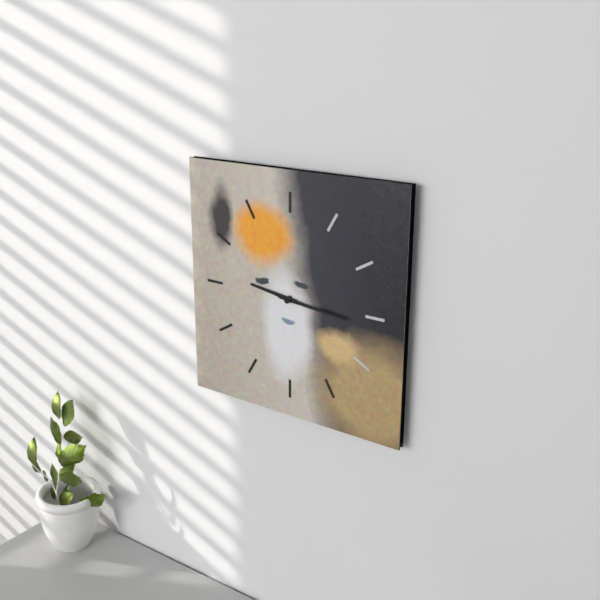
9:16
